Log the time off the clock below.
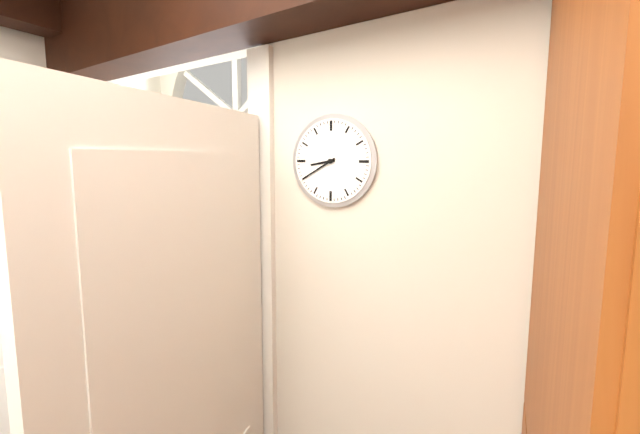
8:40
